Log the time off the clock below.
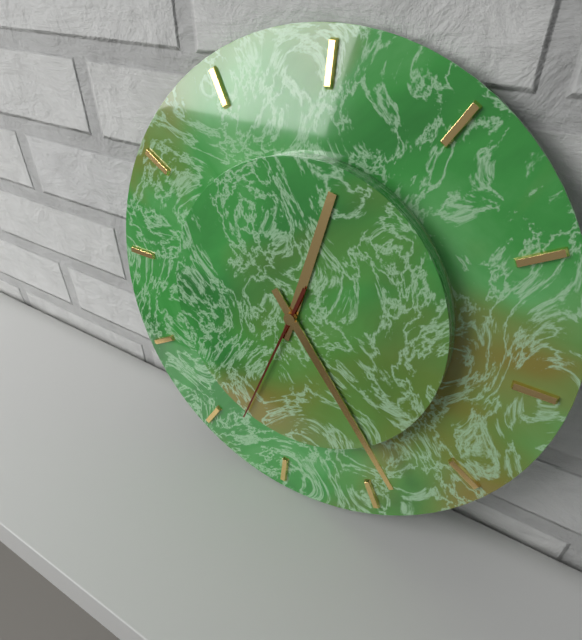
12:23:33
